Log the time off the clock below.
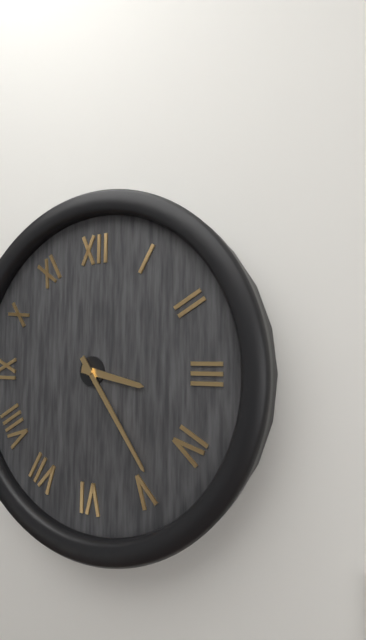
3:24
